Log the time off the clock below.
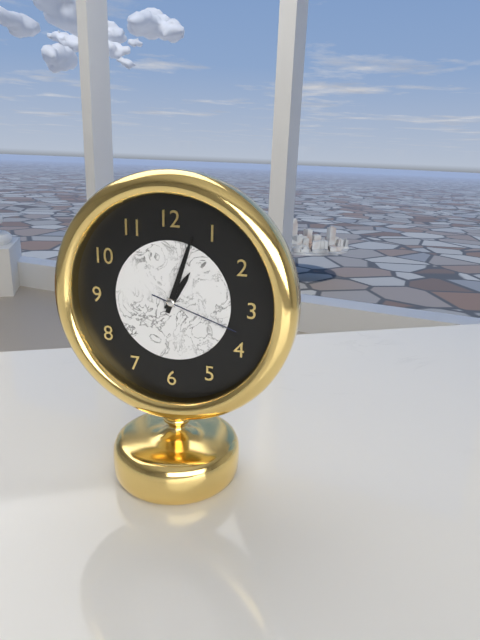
1:03:18
